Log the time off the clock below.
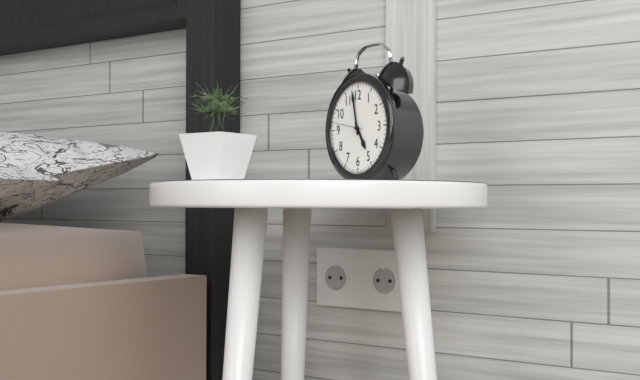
4:58
